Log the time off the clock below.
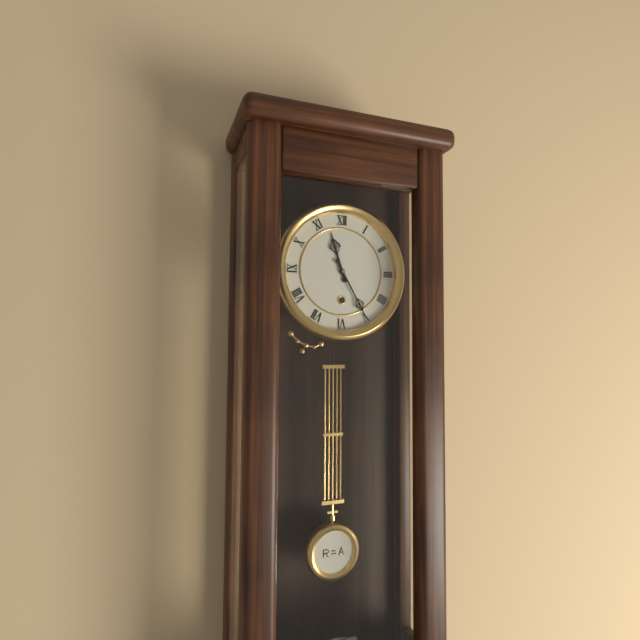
11:25
